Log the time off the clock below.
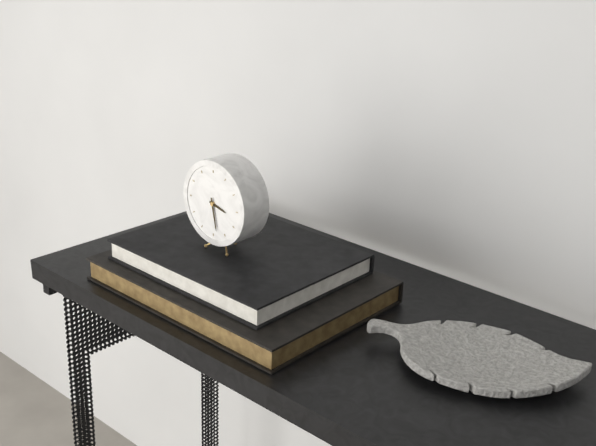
3:28
